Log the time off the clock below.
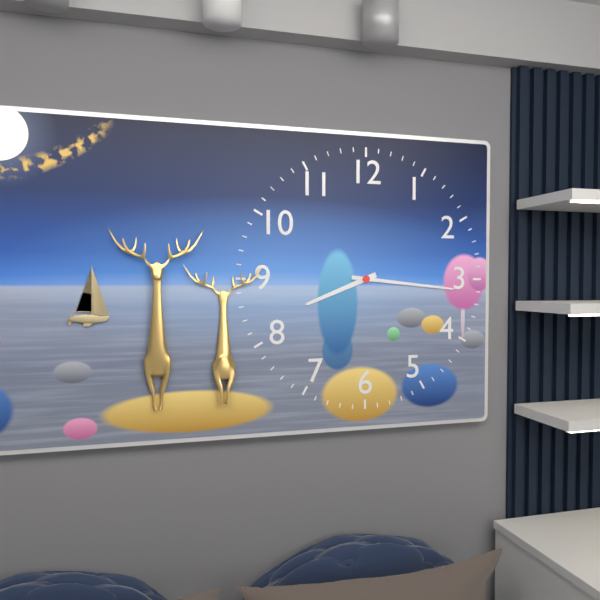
8:16
